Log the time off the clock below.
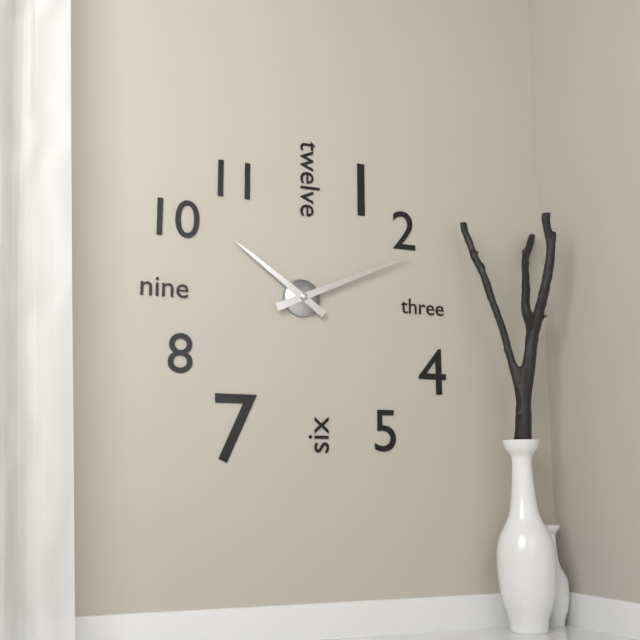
10:11
